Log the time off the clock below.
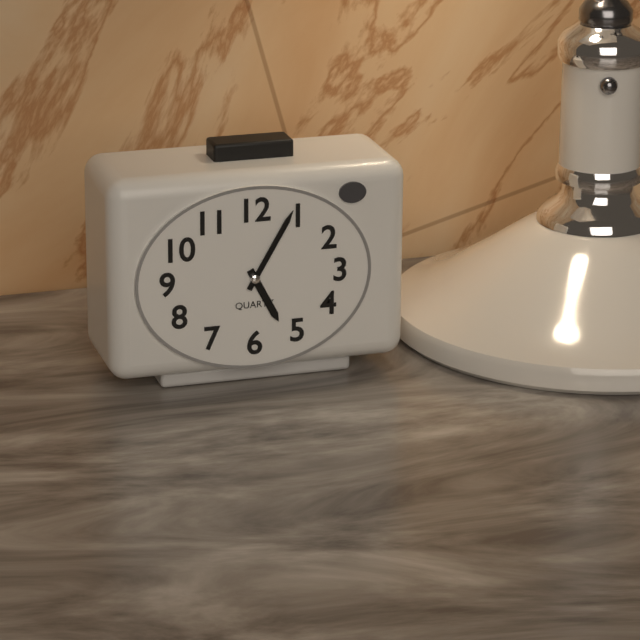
5:05
